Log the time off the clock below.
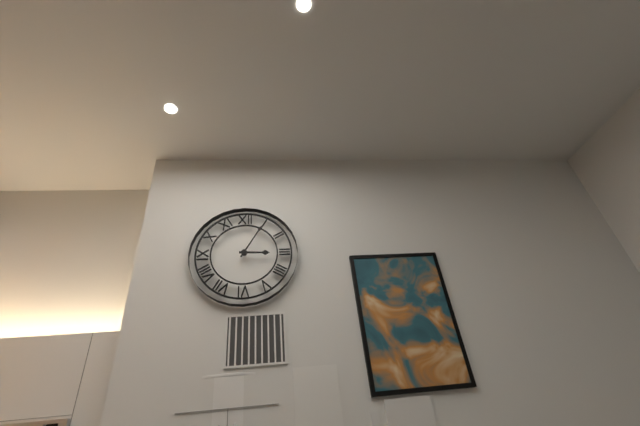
3:05
